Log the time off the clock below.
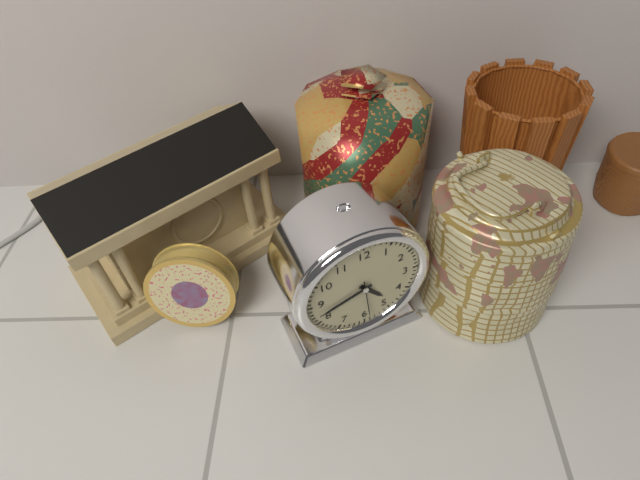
4:42
